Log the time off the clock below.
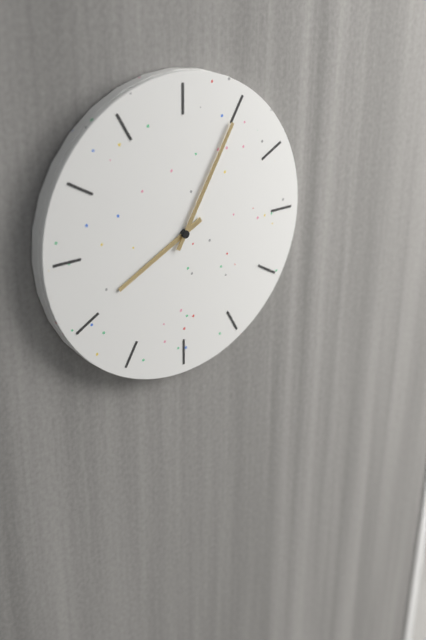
8:05
